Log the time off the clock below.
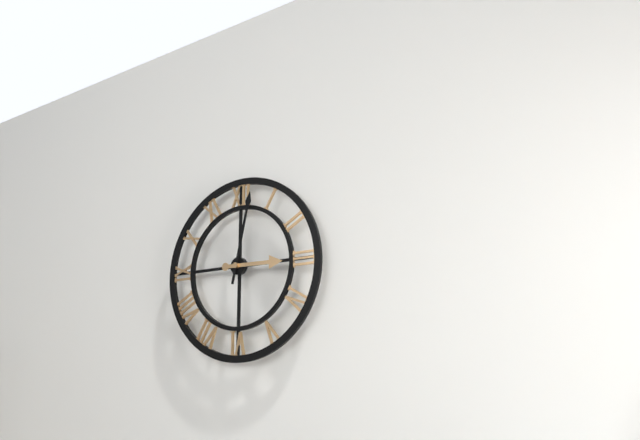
3:02
